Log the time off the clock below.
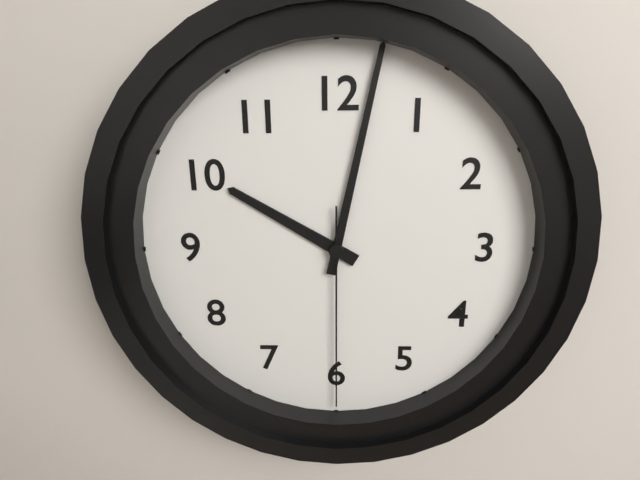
10:02:30
